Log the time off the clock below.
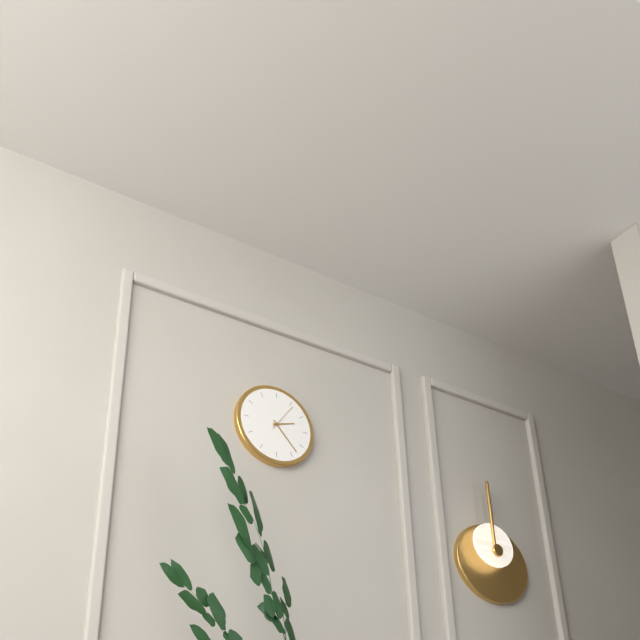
2:23
